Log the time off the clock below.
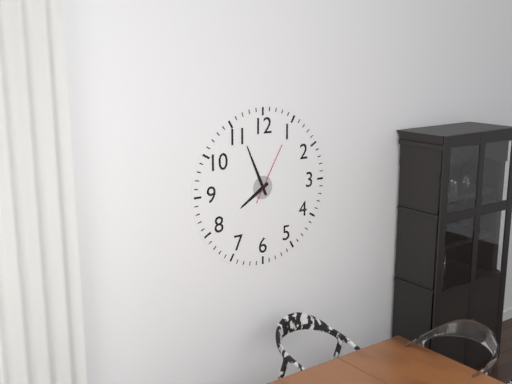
7:56:05
